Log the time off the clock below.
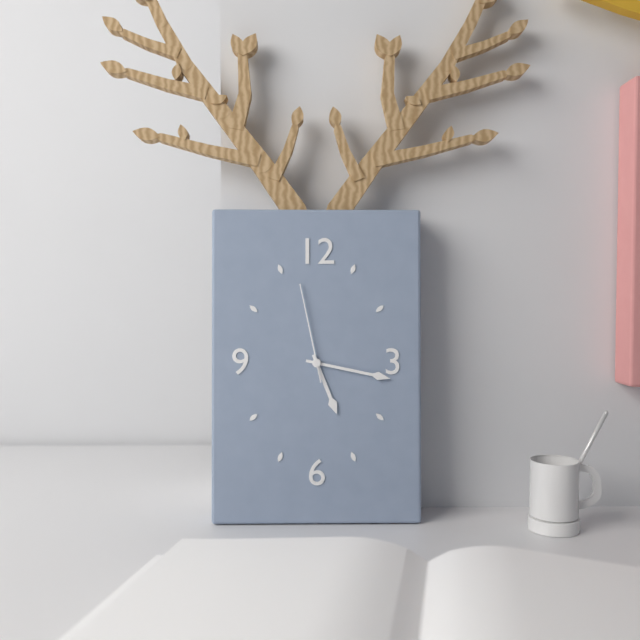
5:17:58
